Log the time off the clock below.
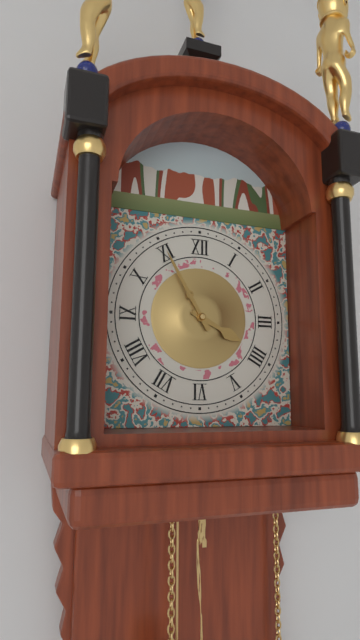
3:55
